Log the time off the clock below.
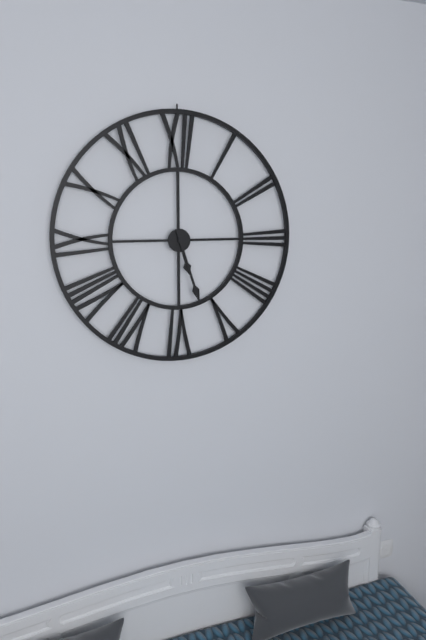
5:27
